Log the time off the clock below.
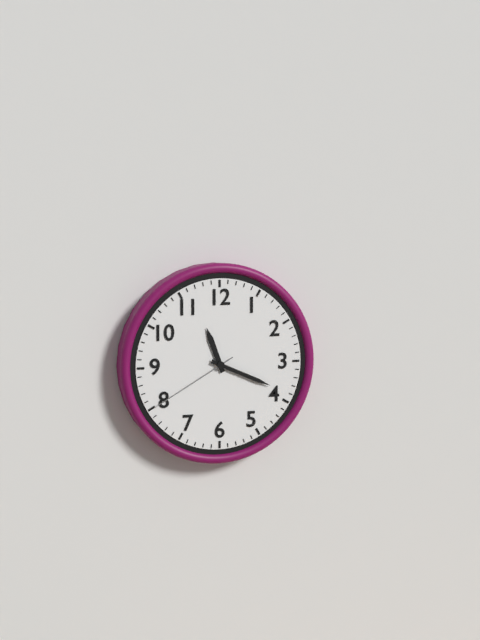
11:19:40
